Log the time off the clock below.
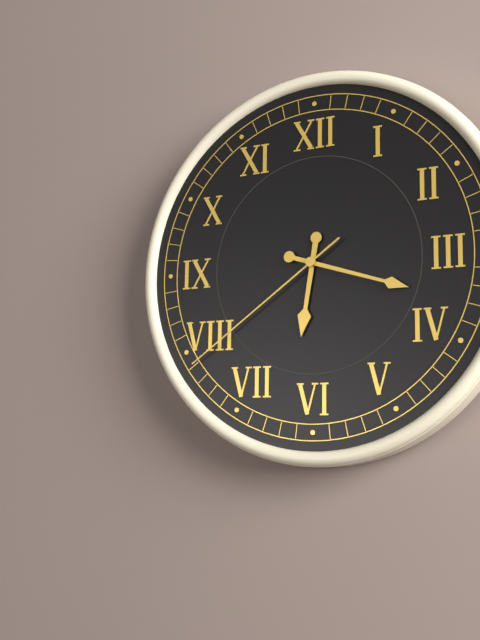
6:18:39
